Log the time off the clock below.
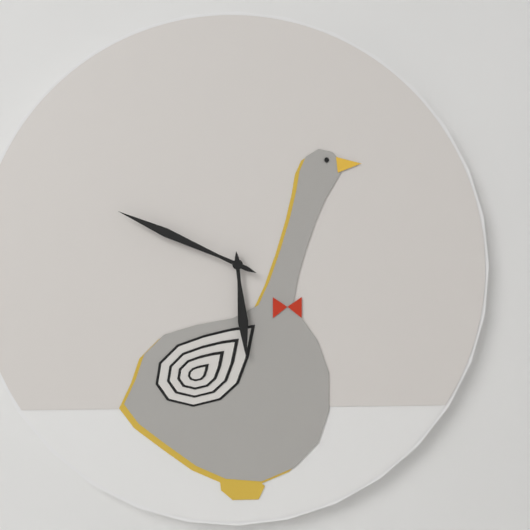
5:49
